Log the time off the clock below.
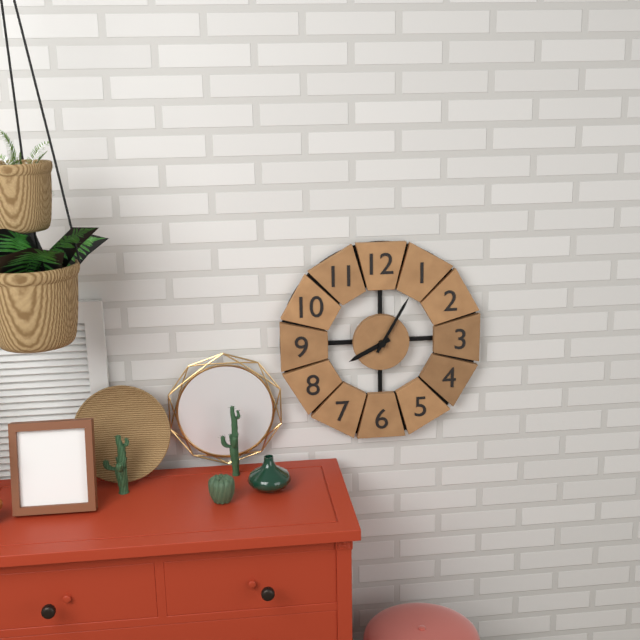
8:05
